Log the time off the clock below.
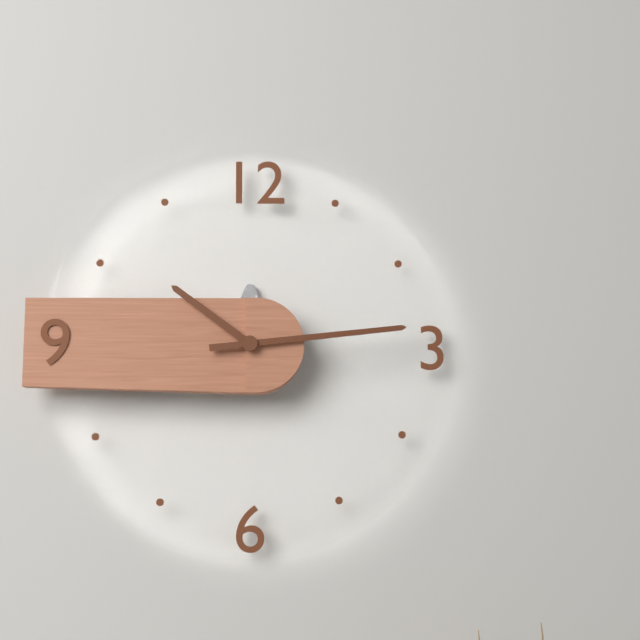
10:14
